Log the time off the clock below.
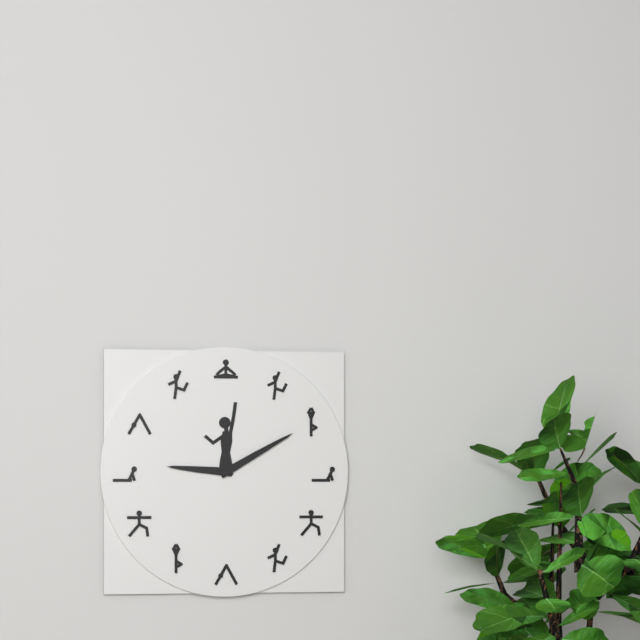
9:10
